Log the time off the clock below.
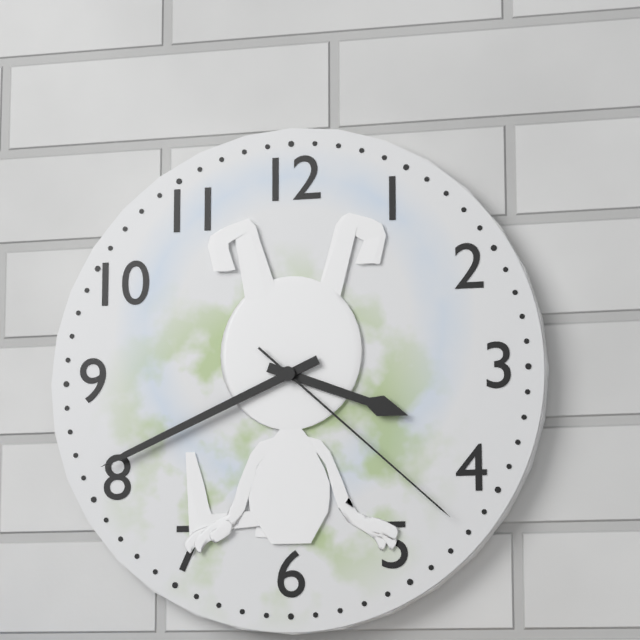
3:41:22
